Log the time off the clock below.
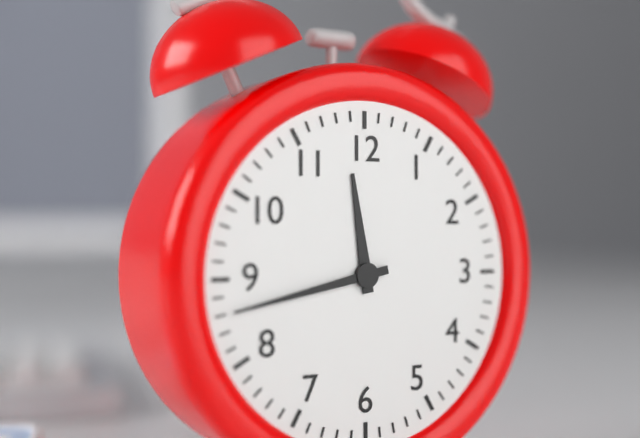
11:43
